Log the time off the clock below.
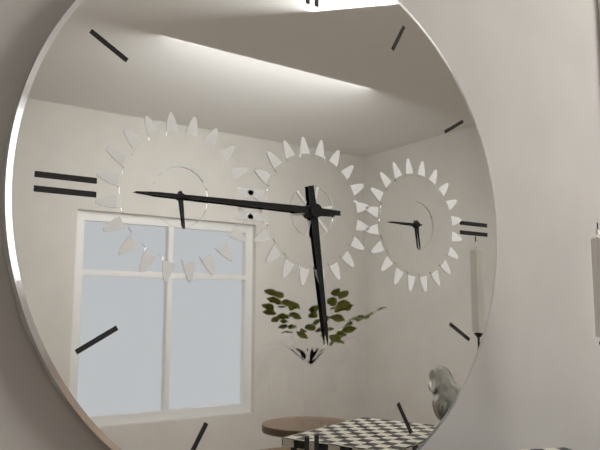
5:45
